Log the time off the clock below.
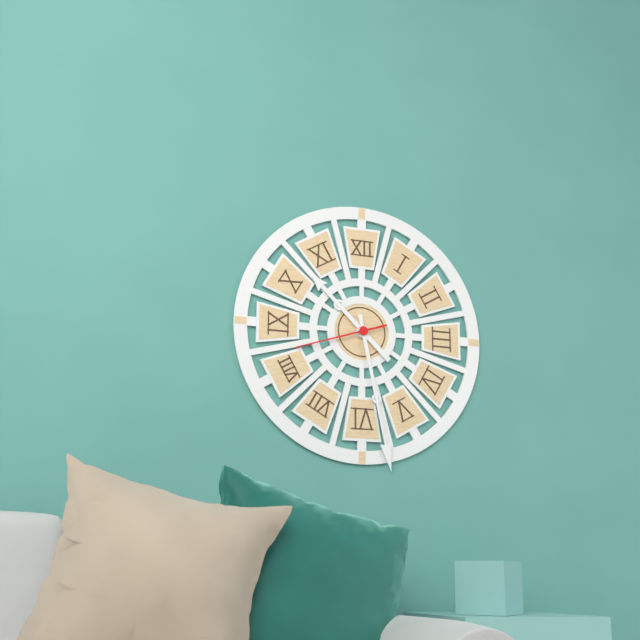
10:28:42
